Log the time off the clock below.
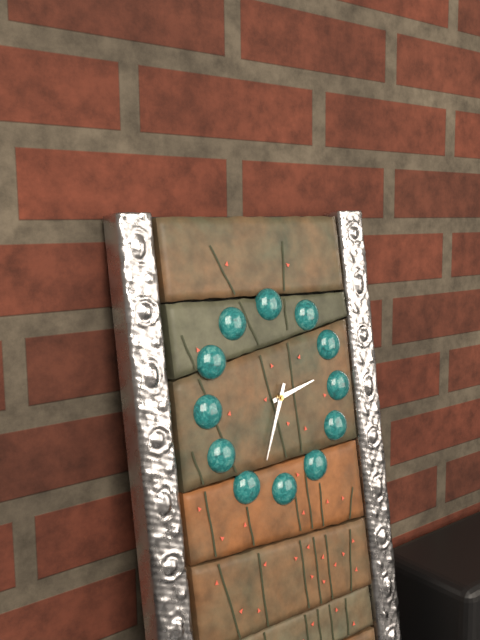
2:34
